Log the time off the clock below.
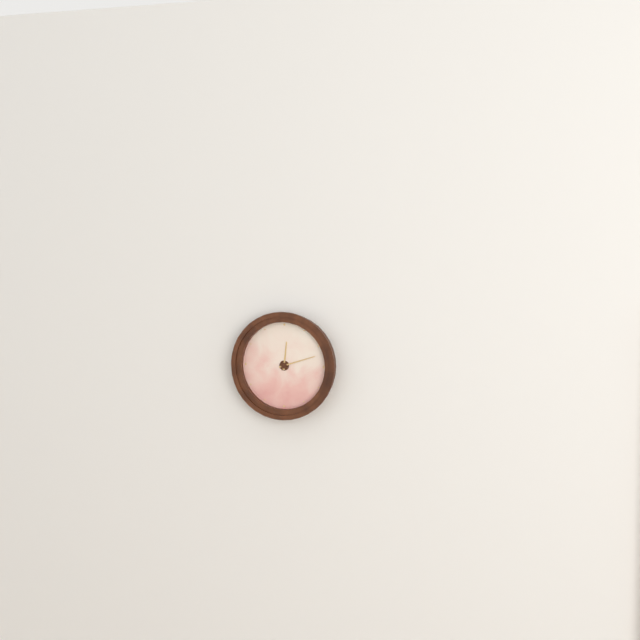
12:12
